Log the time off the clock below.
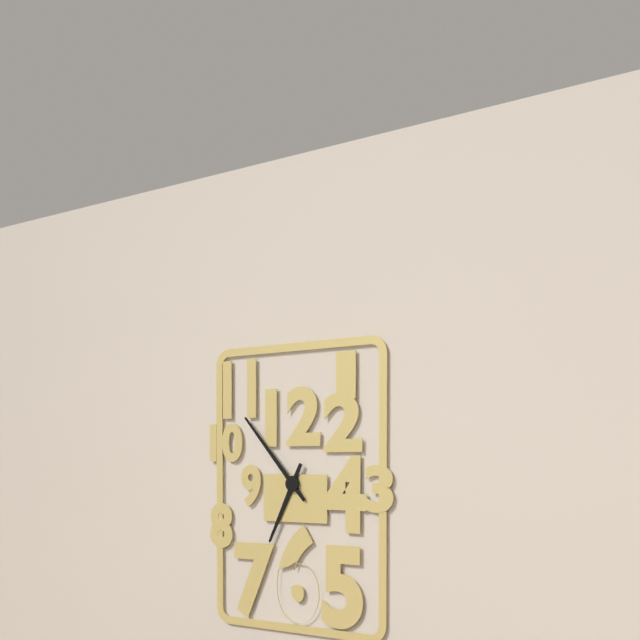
6:53
